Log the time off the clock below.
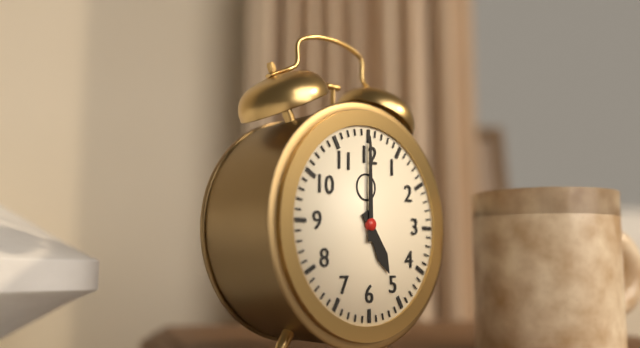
5:00
